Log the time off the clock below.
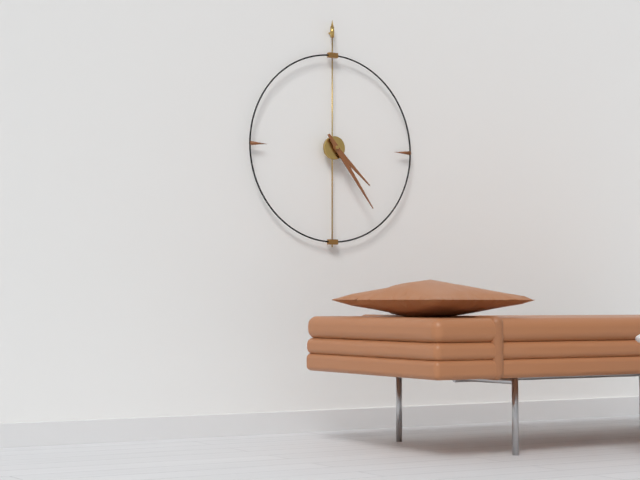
4:24
